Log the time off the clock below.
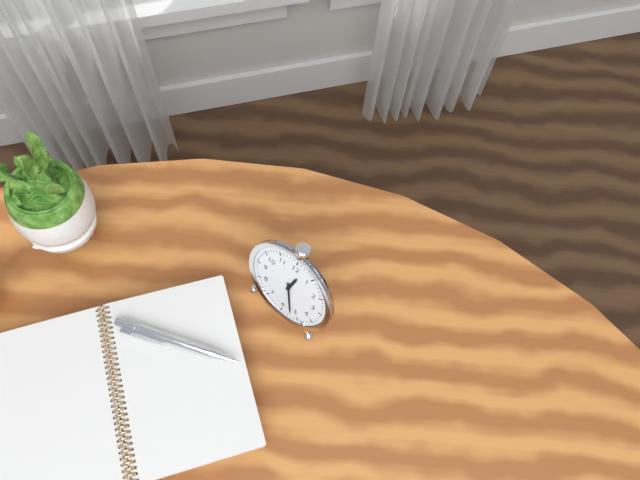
12:27
